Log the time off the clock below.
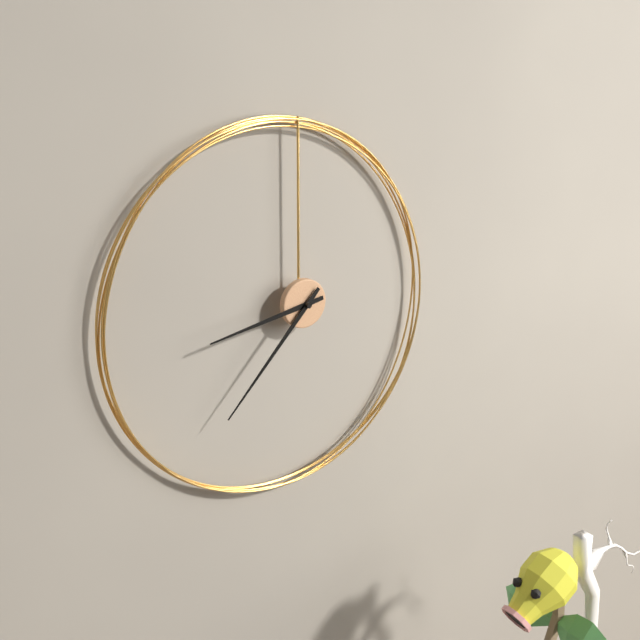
8:37
